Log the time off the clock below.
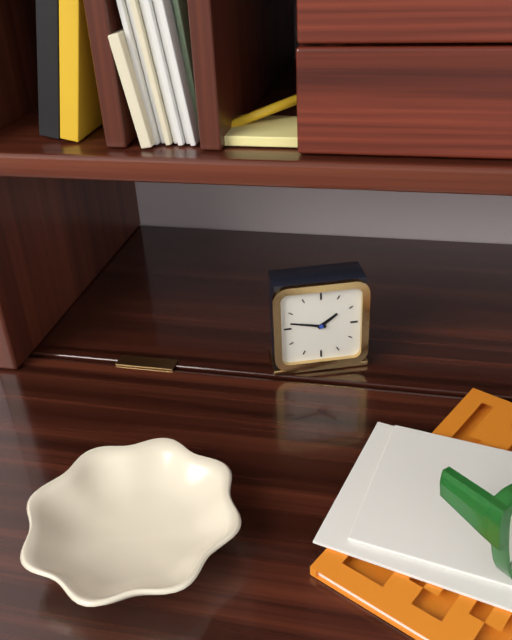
1:47
